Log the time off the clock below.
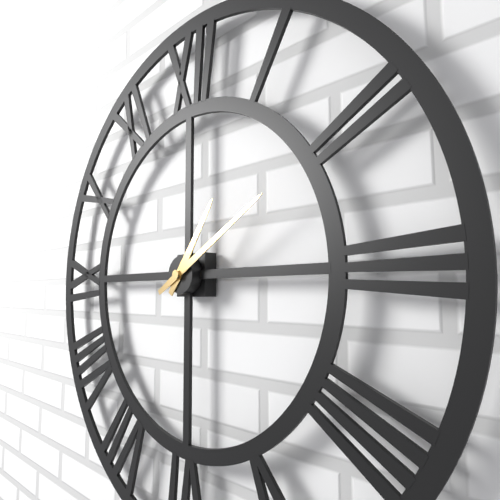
1:10
